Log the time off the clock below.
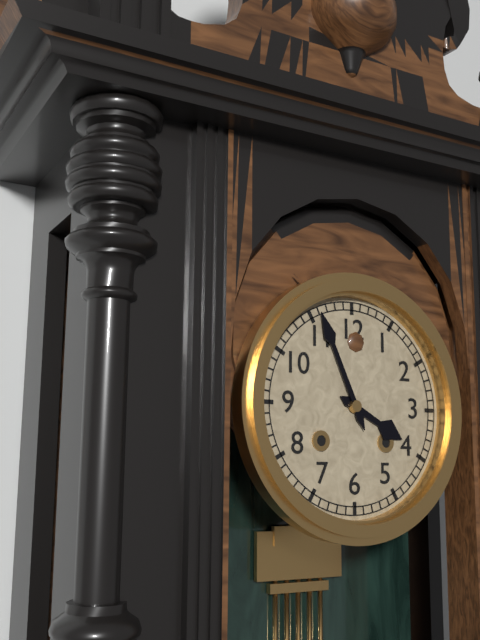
3:56
